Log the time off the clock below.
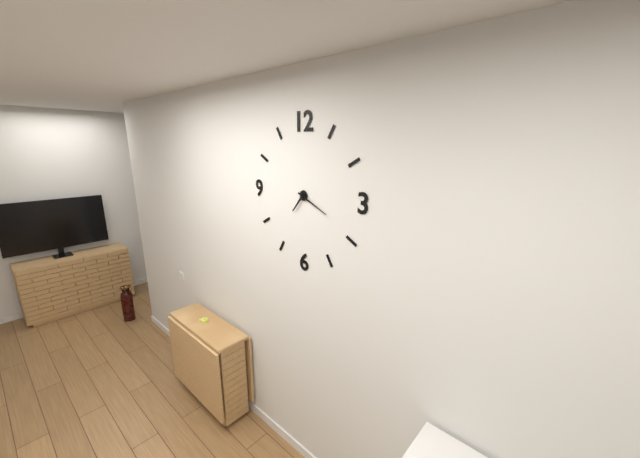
7:19
